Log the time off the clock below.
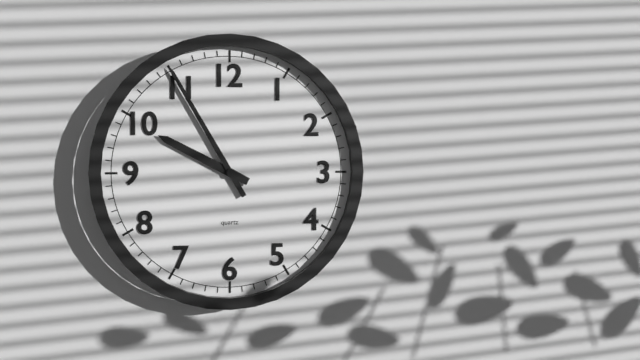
9:55
